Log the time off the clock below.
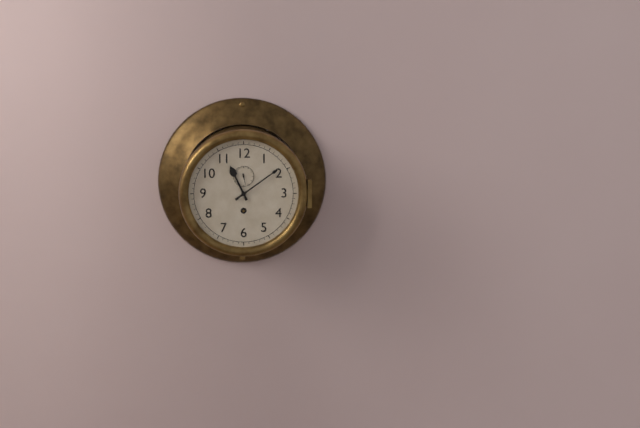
11:09
